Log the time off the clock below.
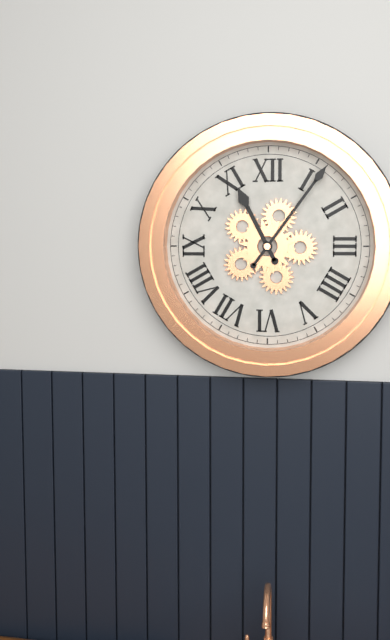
11:06
